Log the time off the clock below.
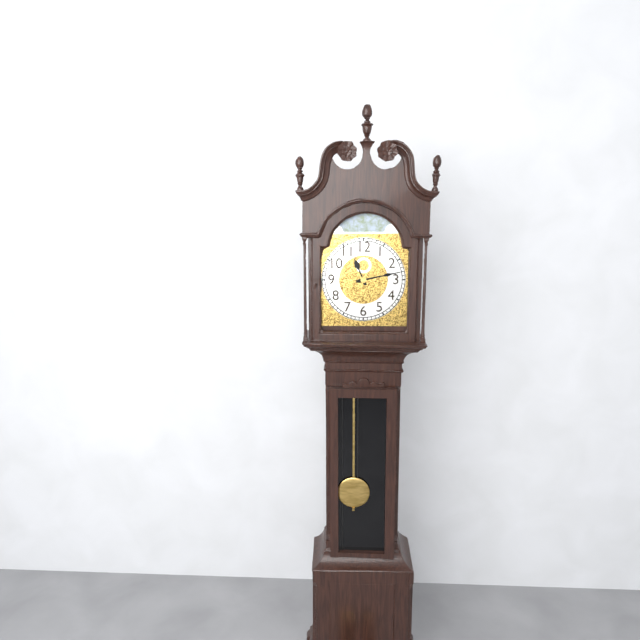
11:13
